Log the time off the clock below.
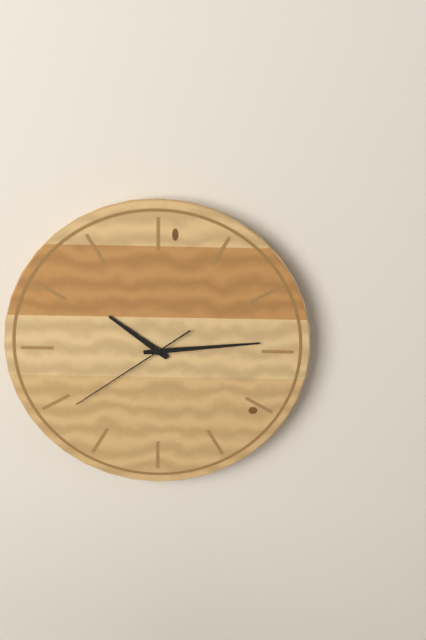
10:14:39
